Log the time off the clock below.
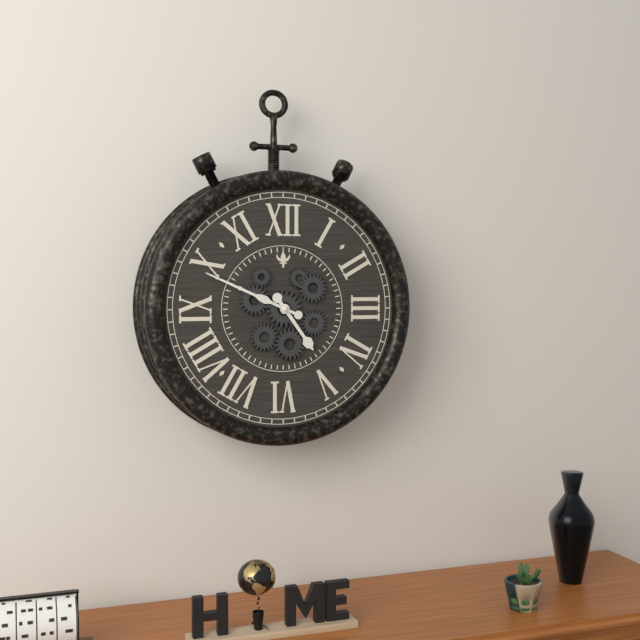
4:49
